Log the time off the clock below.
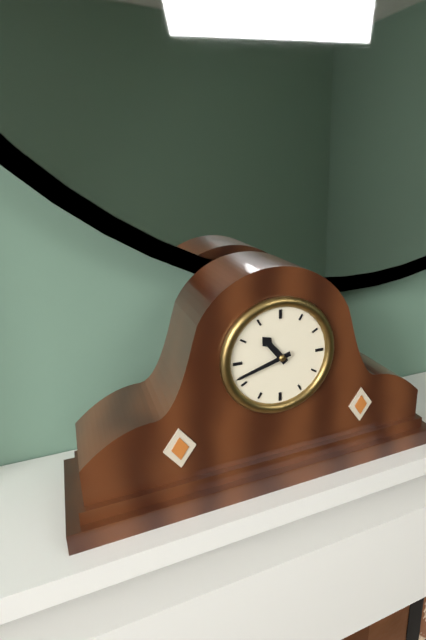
10:42
